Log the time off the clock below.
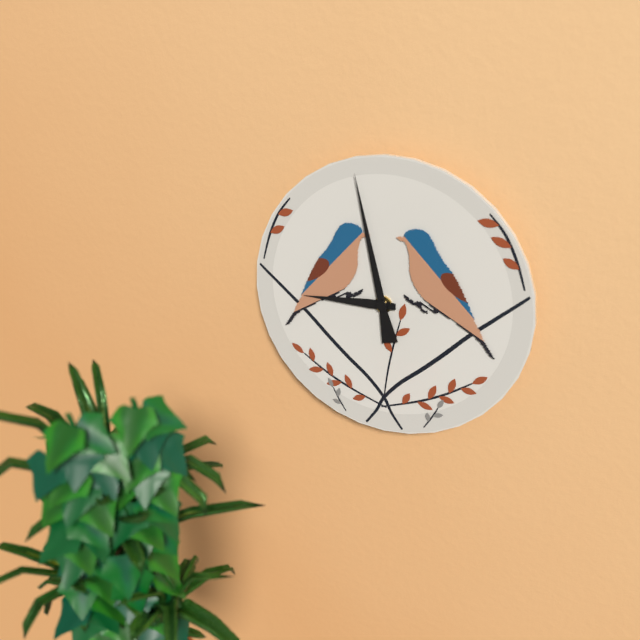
8:58
